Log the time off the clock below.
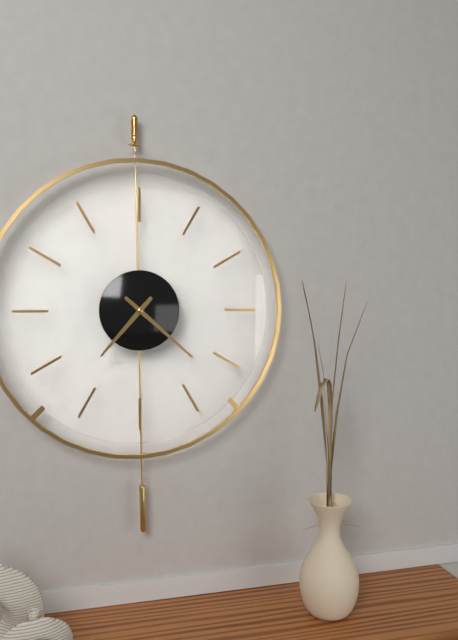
7:22
